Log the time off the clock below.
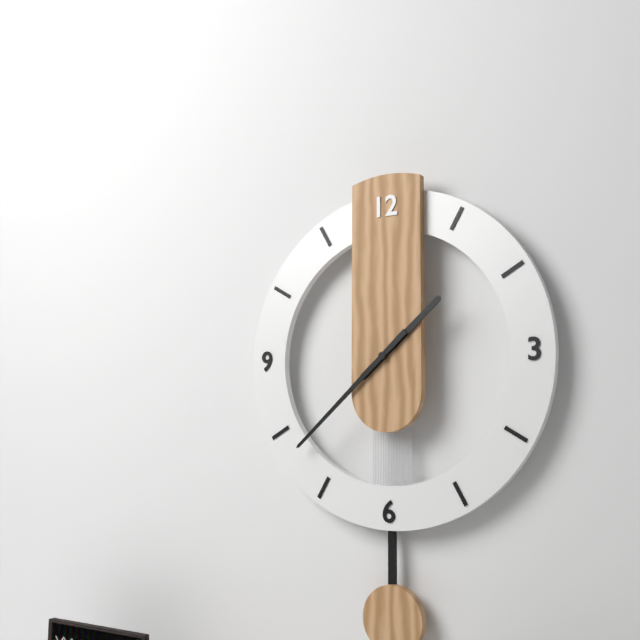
1:38
